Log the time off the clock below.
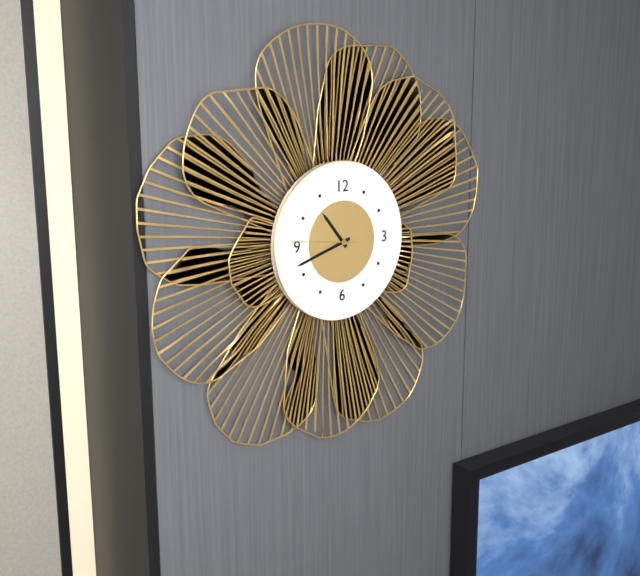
10:42:46
